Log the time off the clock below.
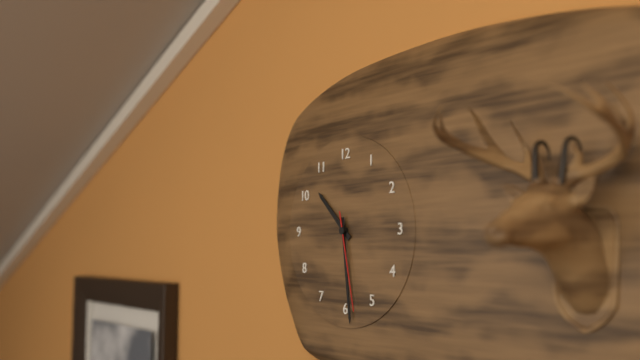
10:29:28
